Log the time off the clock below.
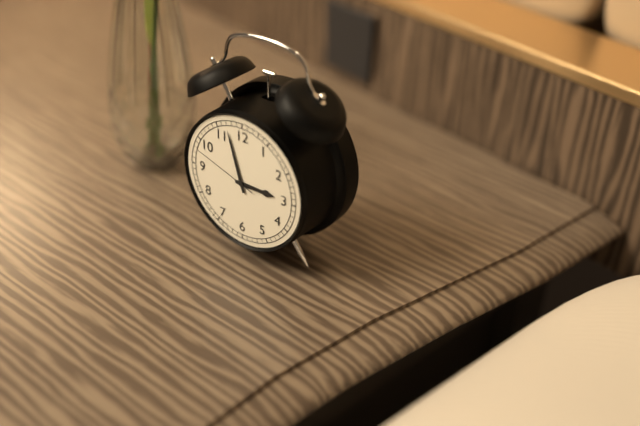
2:57:48
